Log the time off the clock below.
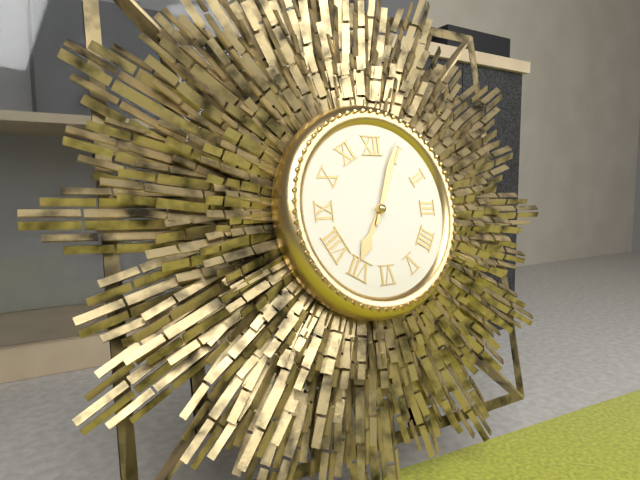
7:04
